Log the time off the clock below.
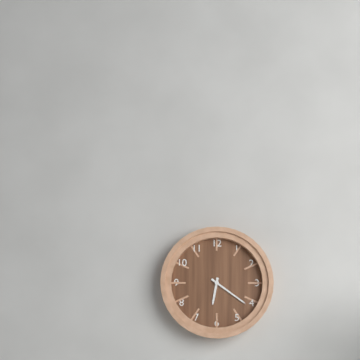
6:21
